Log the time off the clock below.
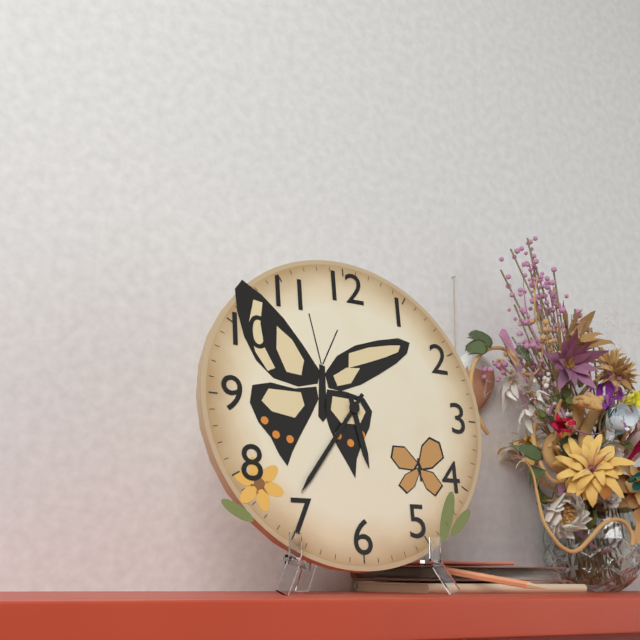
5:36
